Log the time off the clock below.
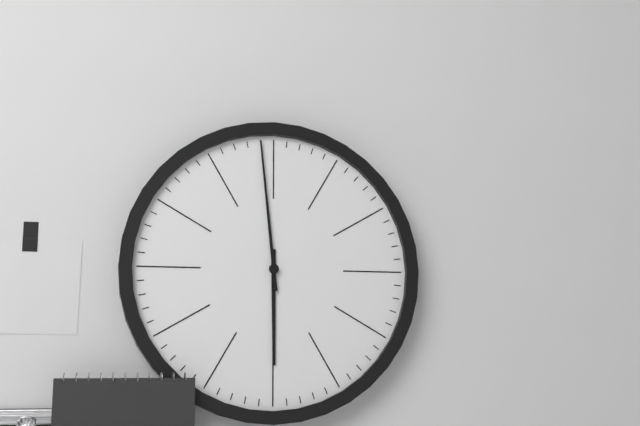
5:59
